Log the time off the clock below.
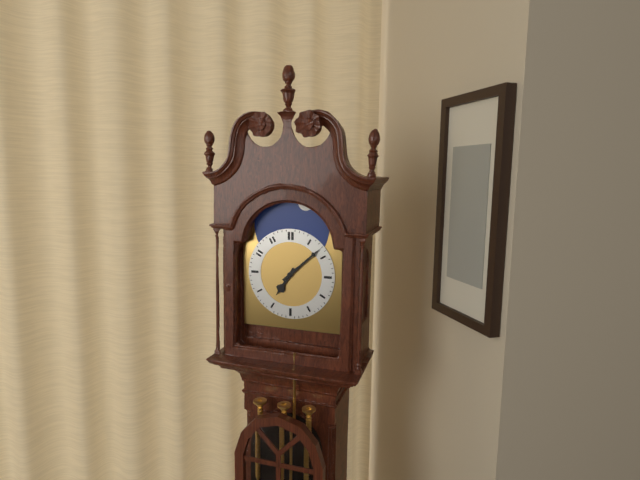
7:08
